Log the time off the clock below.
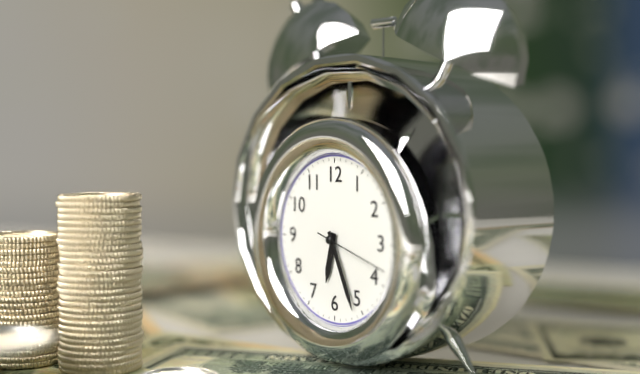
6:26:18
